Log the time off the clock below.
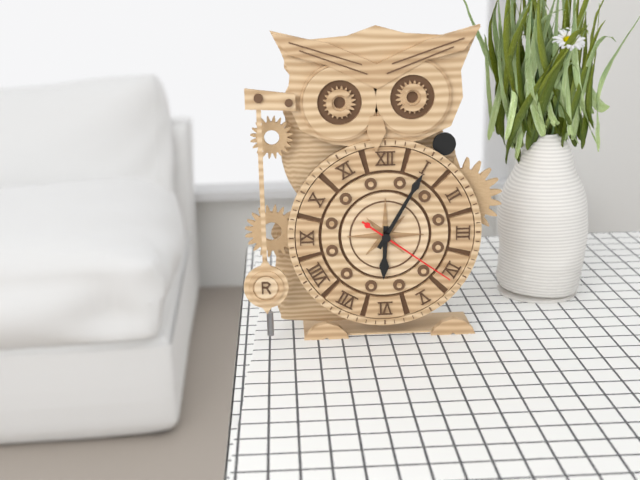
6:05:21
